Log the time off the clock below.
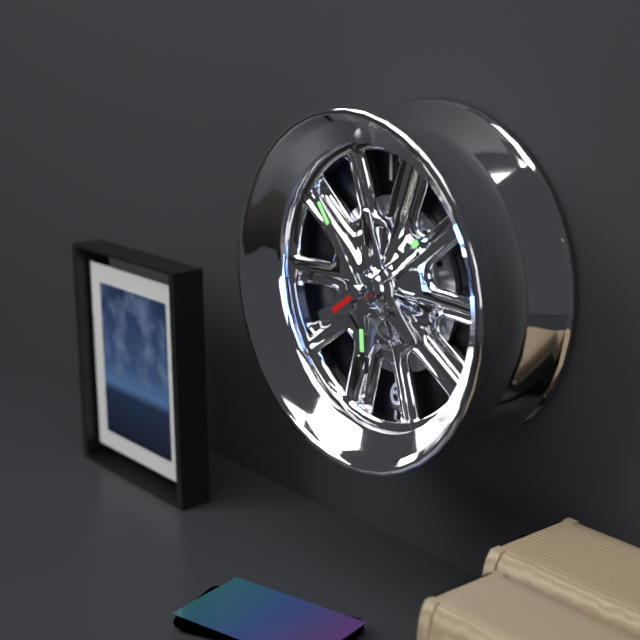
5:54:09
